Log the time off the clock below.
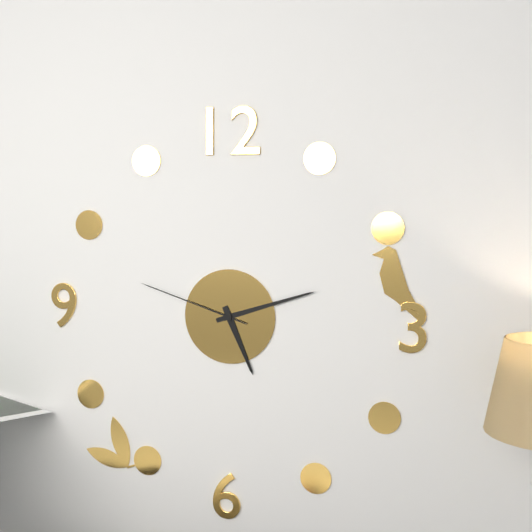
5:12:48
